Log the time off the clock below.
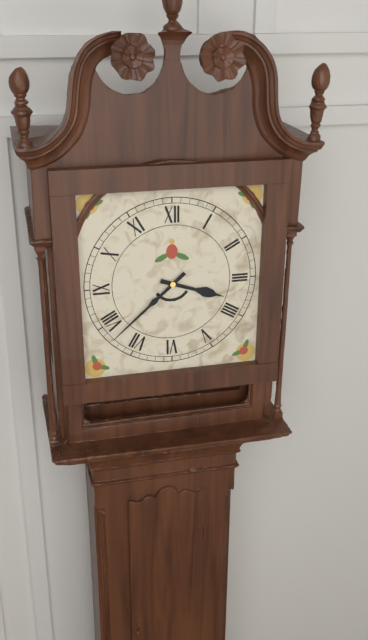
3:38
